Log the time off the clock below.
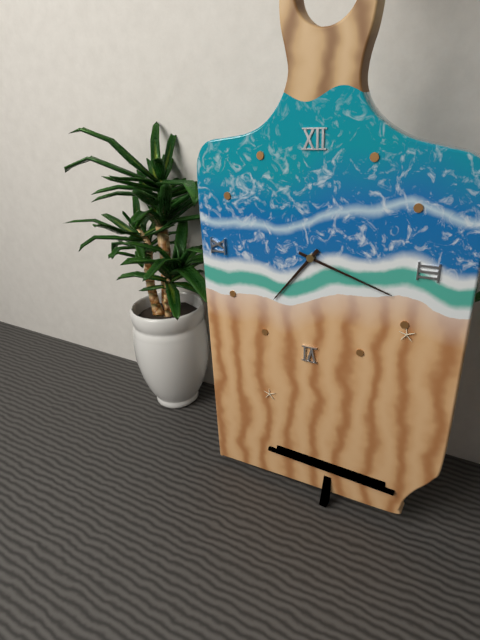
7:18
